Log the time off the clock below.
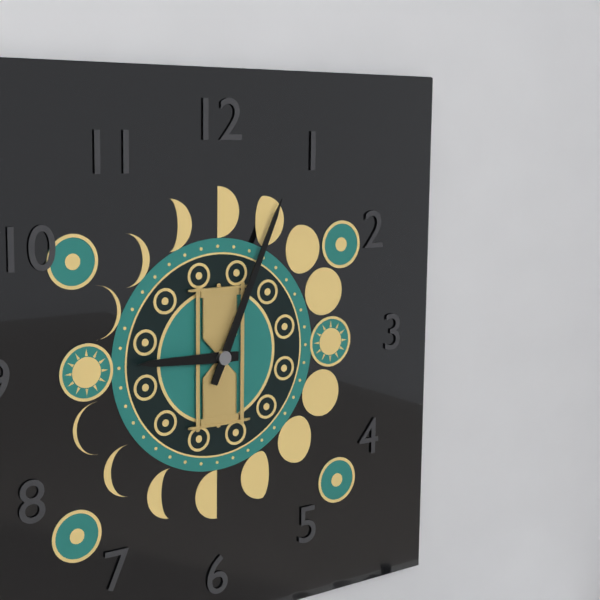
9:04
